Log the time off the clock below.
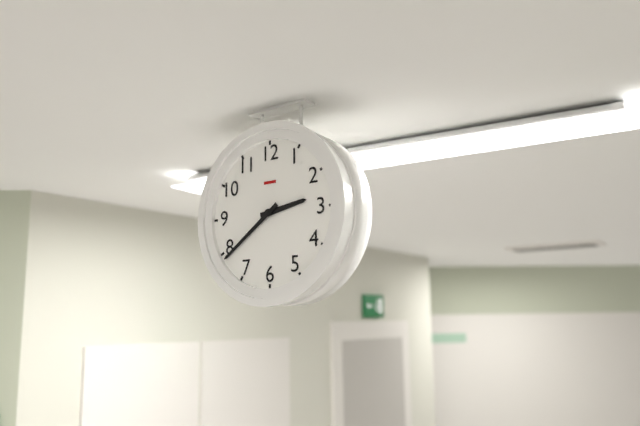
2:39
